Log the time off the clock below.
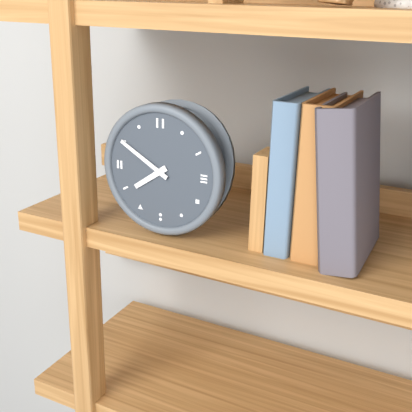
7:50
